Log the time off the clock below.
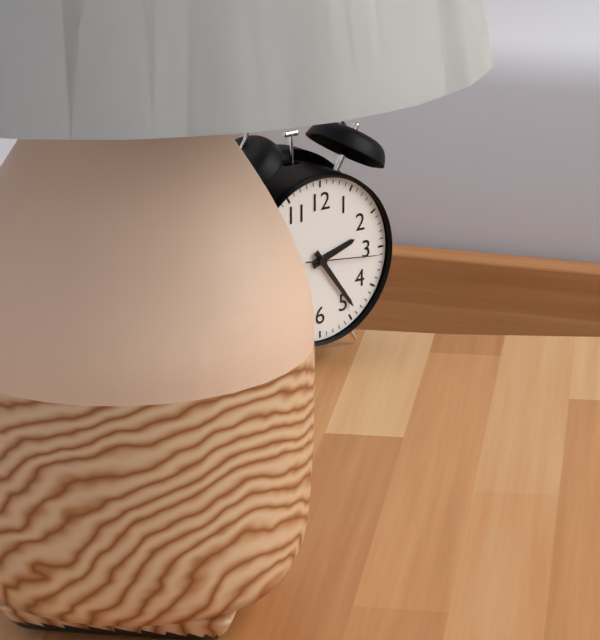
2:24:16
